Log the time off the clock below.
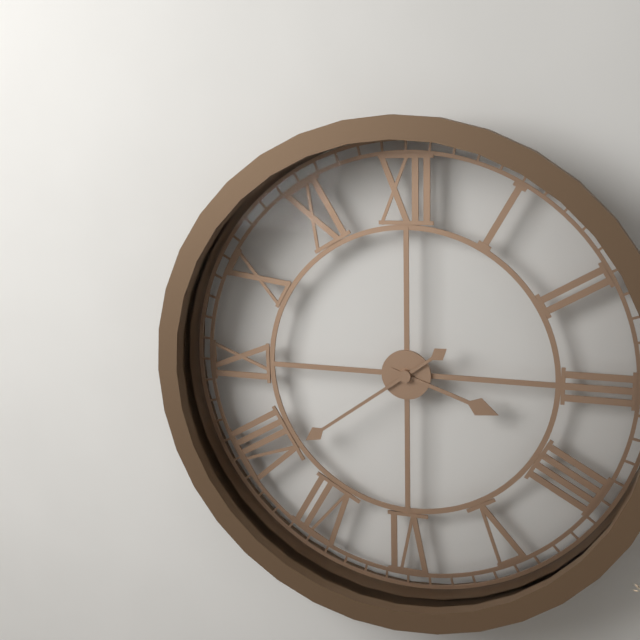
3:39
